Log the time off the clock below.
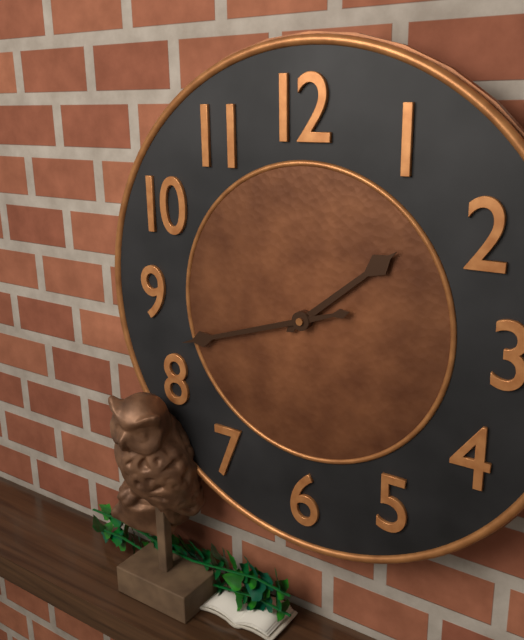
1:42
